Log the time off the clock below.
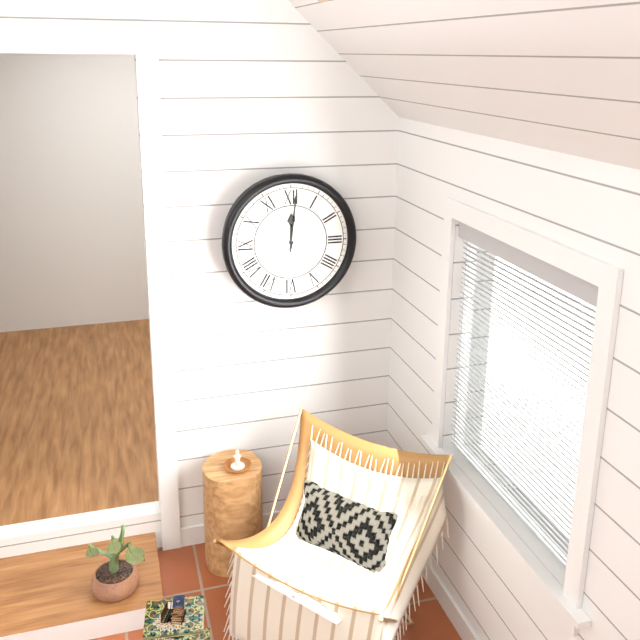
12:01
